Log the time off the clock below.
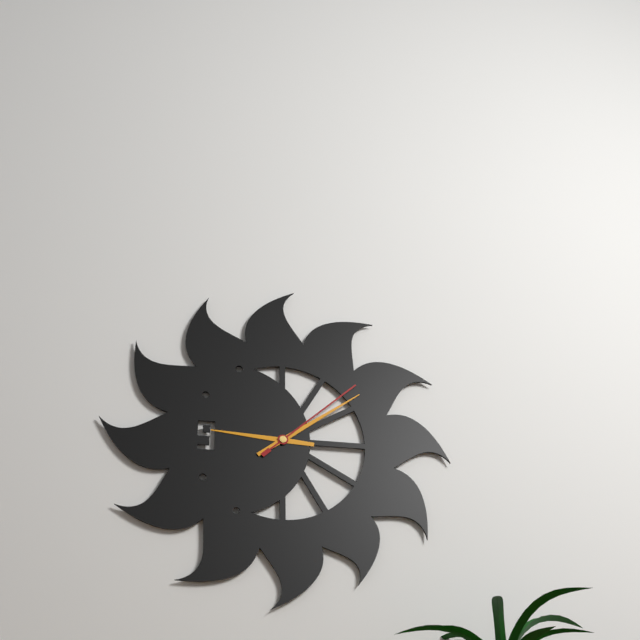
9:09:08
